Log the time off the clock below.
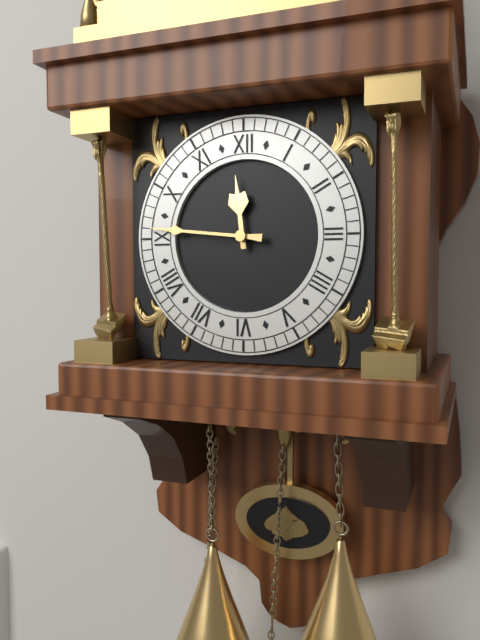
11:46
